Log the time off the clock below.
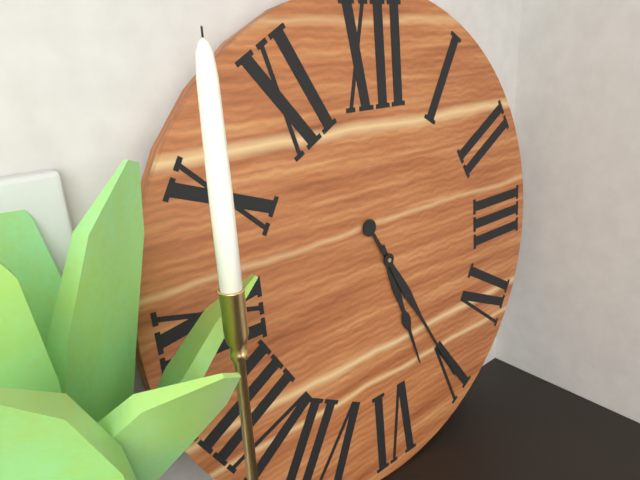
5:25
